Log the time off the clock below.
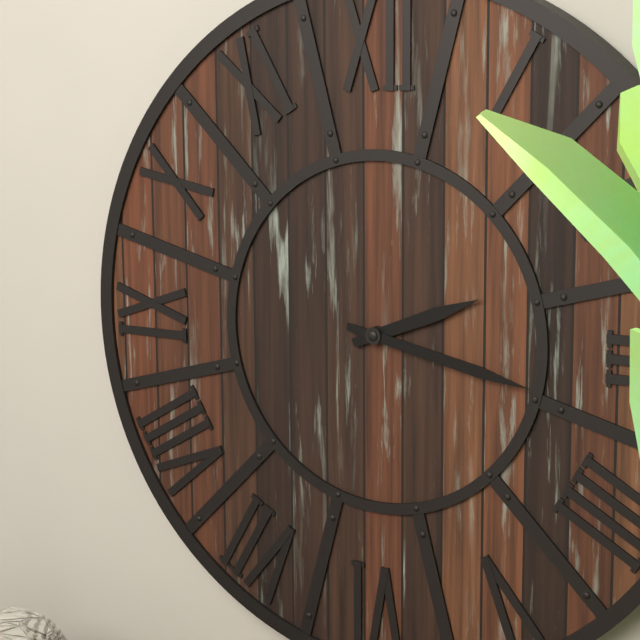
2:17
